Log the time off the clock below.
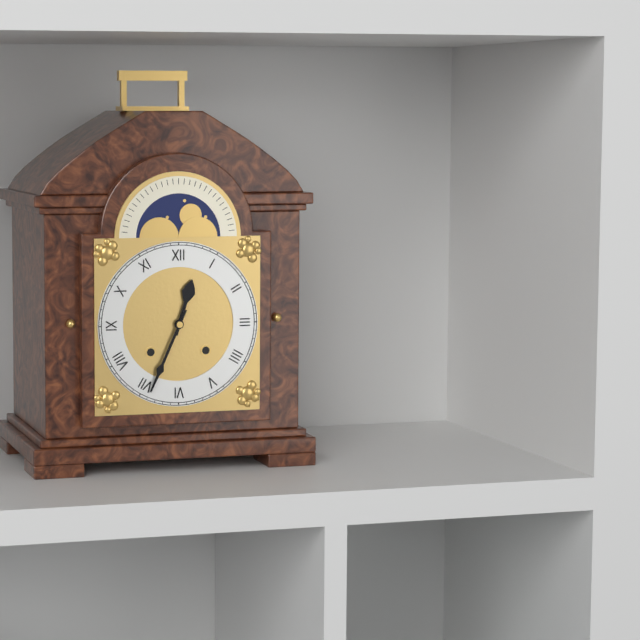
12:34
